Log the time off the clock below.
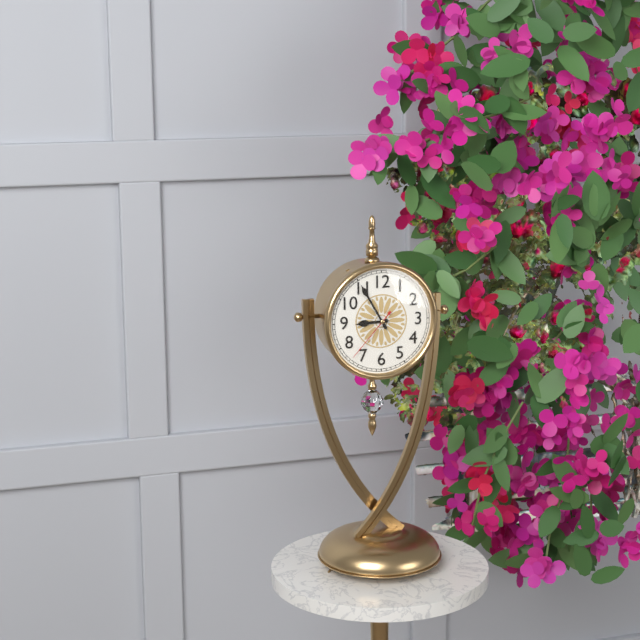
8:55:37
